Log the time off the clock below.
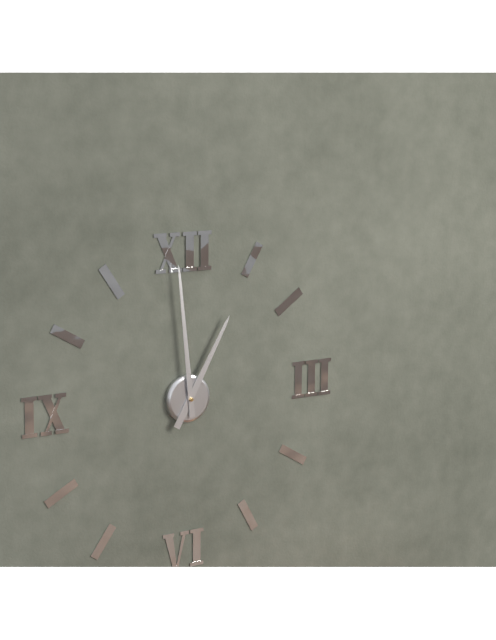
12:59
